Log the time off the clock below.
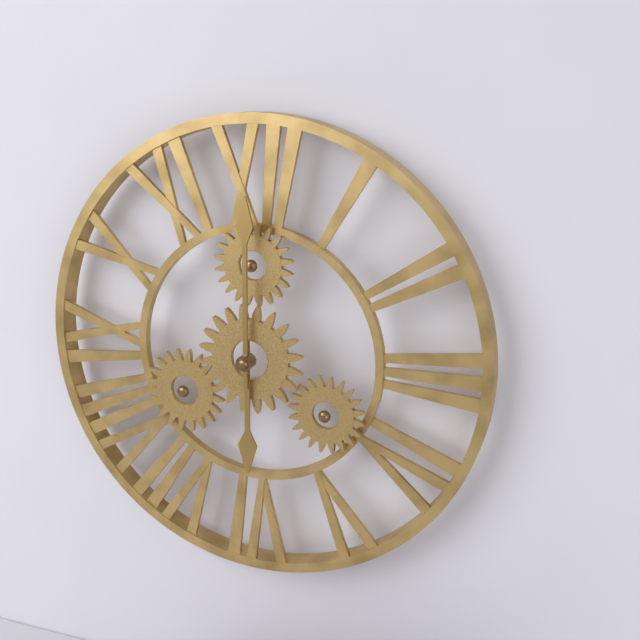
6:00
